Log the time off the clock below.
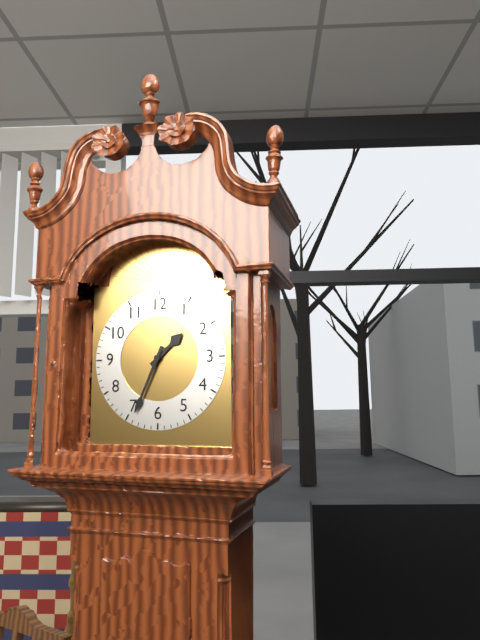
1:34
